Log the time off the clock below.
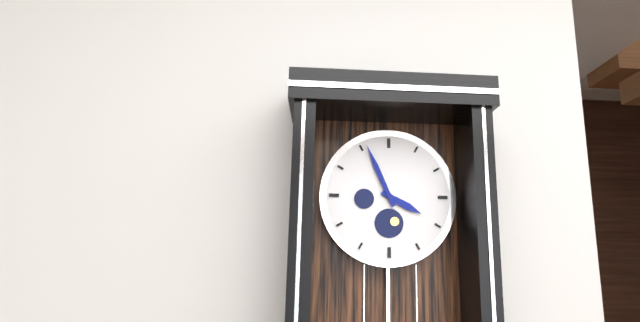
3:56
